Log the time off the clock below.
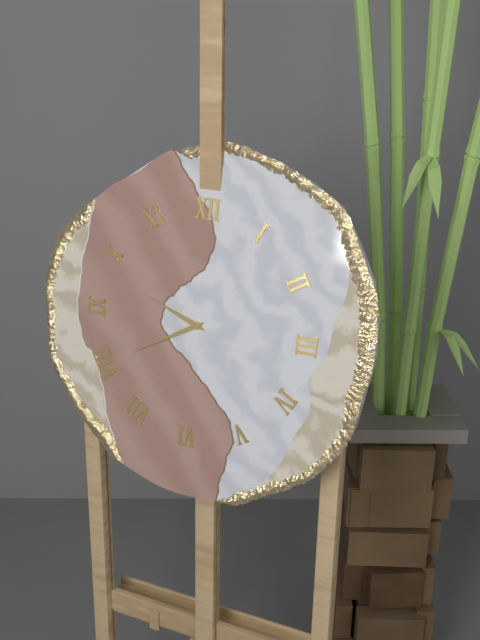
9:40
